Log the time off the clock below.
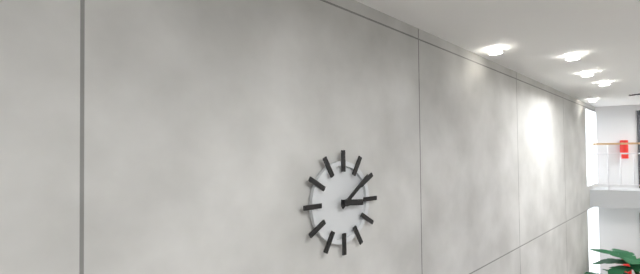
3:09
